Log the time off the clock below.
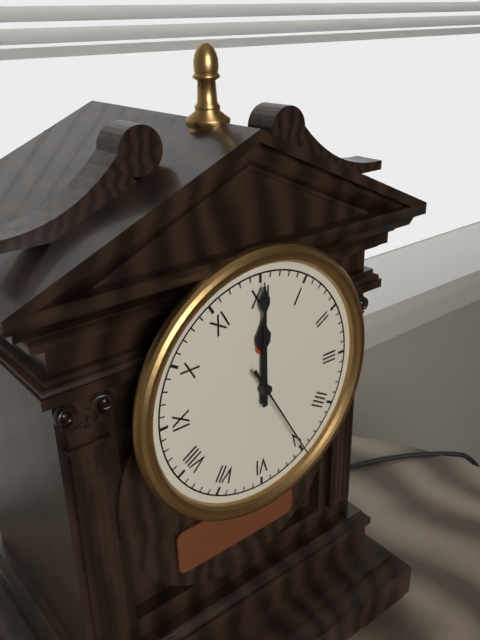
12:00:25
